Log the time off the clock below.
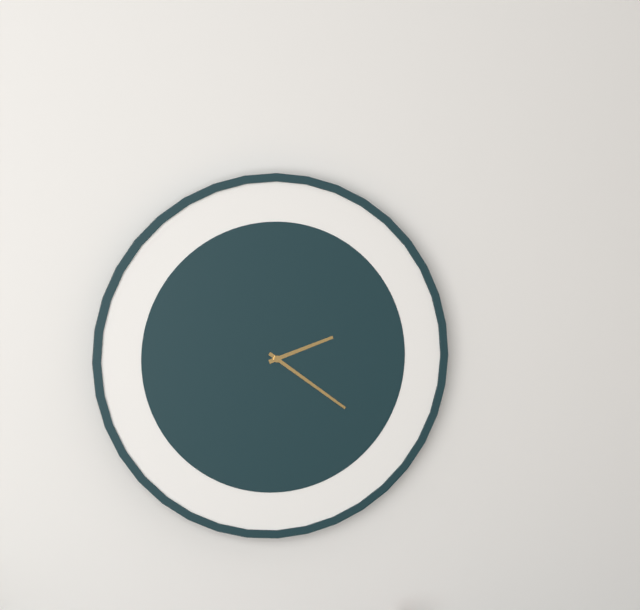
2:21
